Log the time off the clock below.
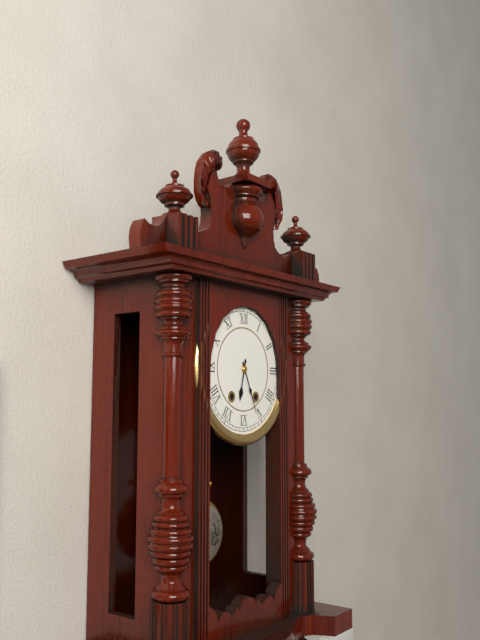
6:26
